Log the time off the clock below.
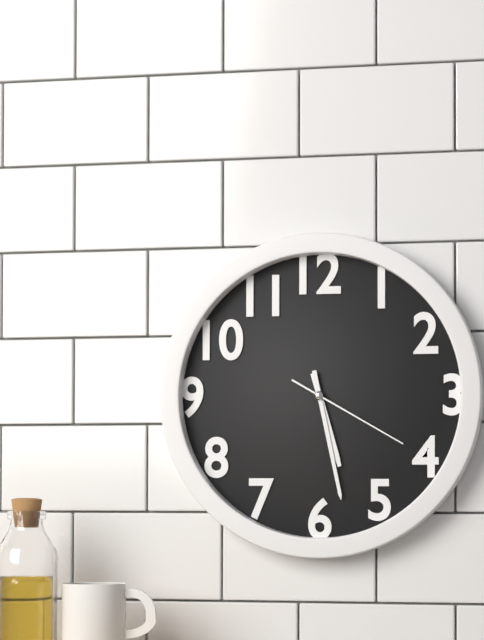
5:28:20
